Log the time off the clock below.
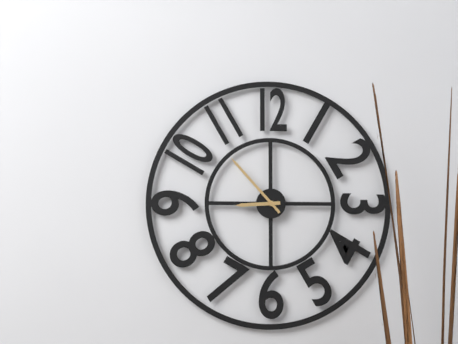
8:53
